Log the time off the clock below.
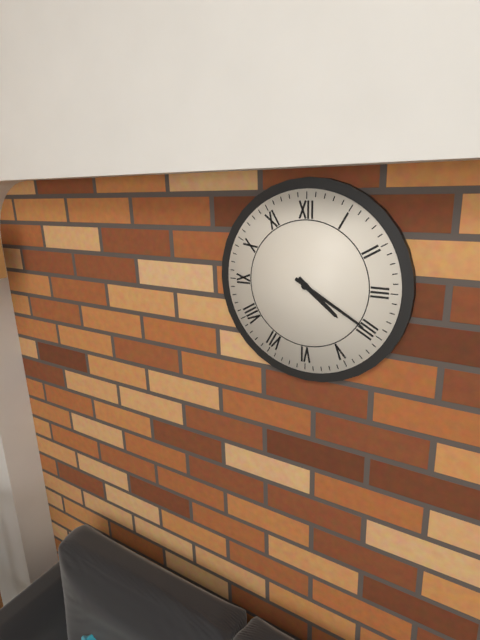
4:20
